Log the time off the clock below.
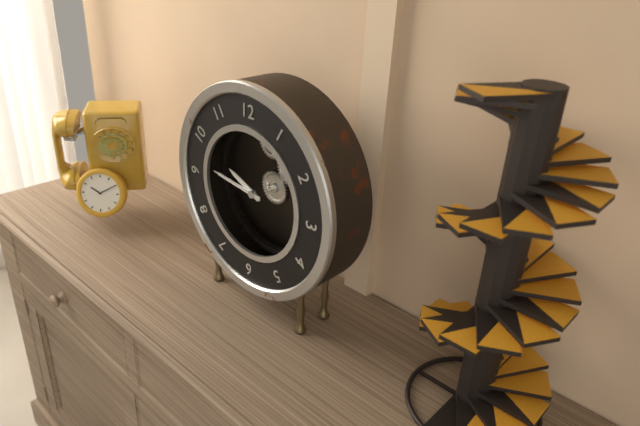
9:46
